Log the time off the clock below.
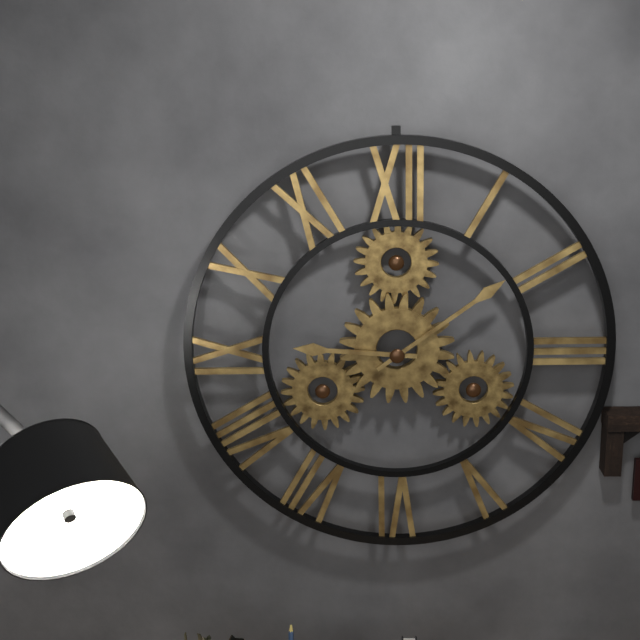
9:09
